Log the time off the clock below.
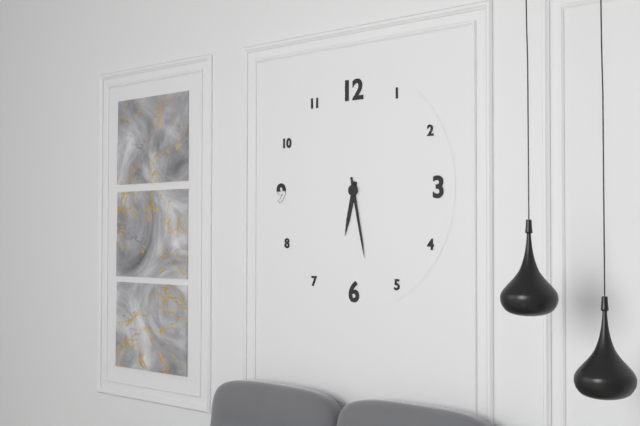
6:28
